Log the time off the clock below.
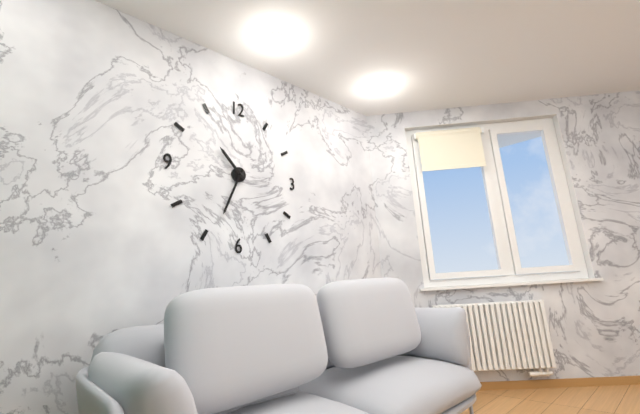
10:34
